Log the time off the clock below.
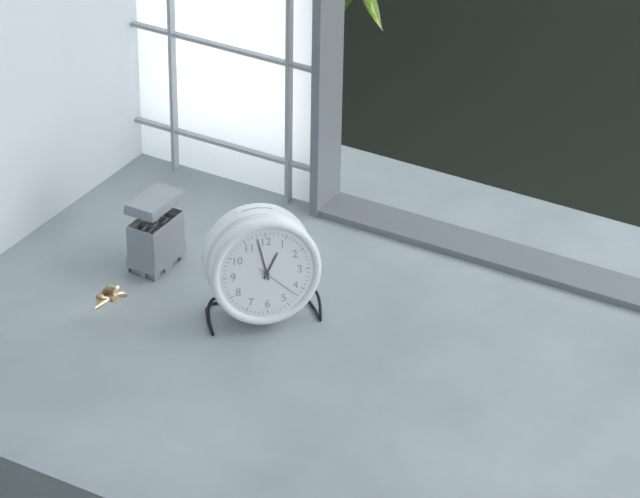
12:58
